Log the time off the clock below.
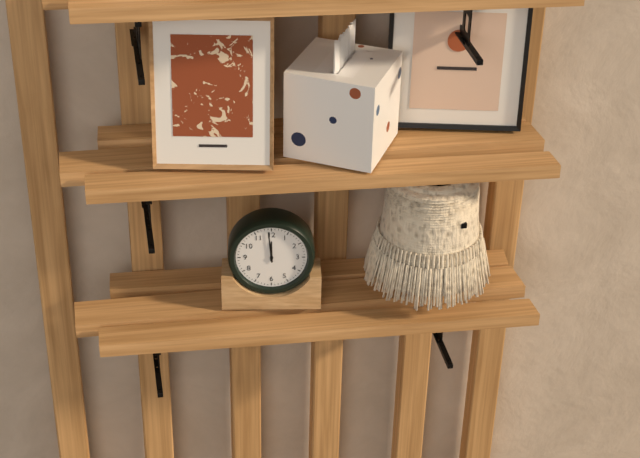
11:59
